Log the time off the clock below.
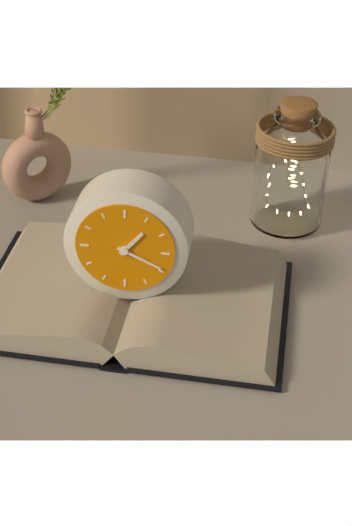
1:19
